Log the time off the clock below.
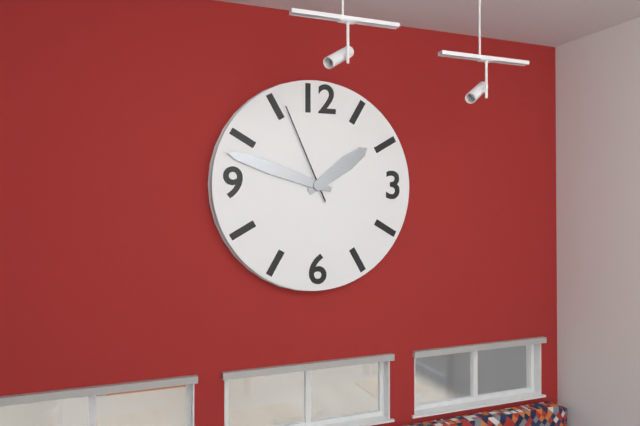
1:48:56
